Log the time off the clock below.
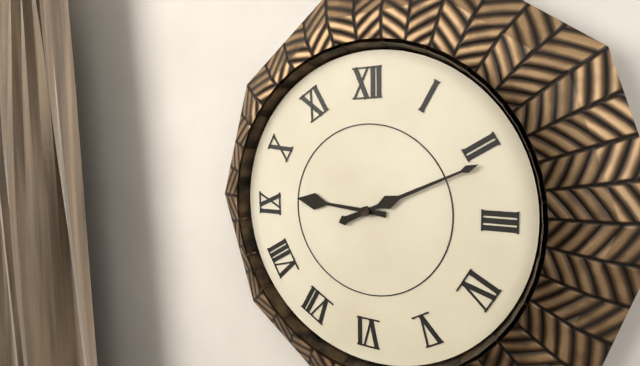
9:11
